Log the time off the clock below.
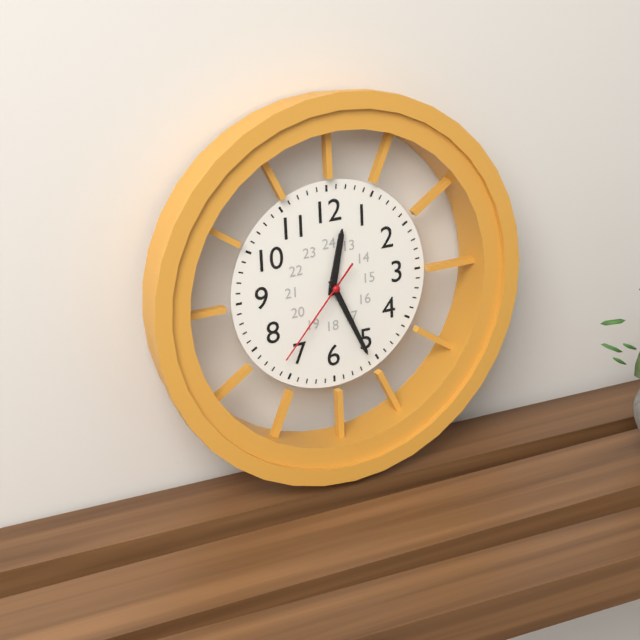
12:26:37
